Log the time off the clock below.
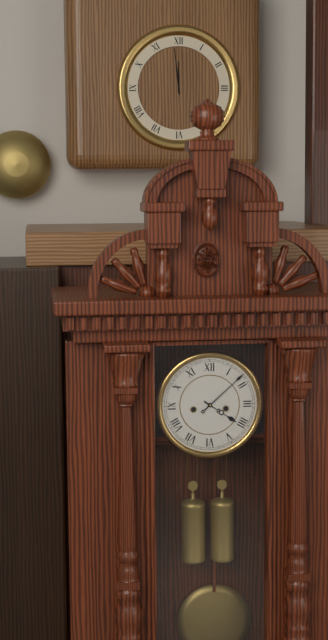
4:08
